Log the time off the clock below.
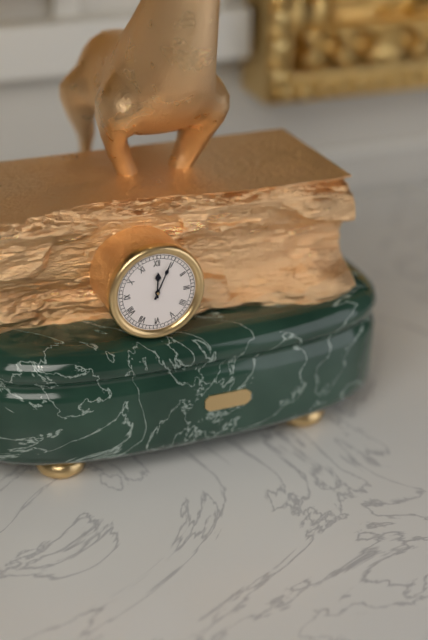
12:04
